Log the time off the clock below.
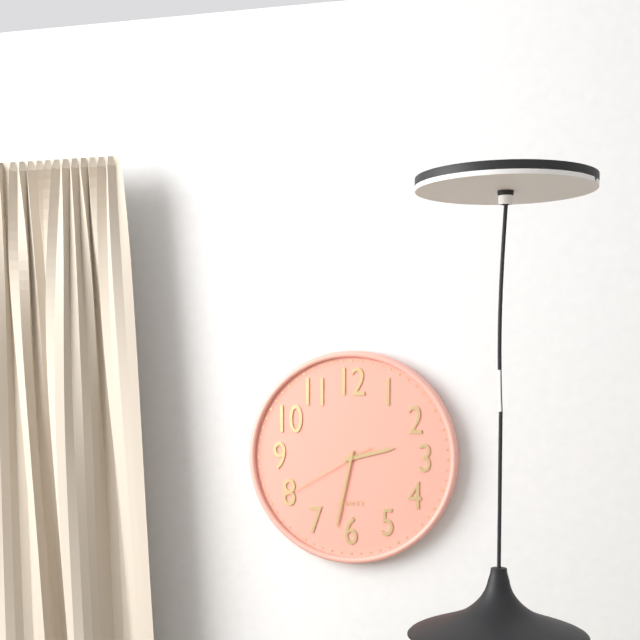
2:32:40
